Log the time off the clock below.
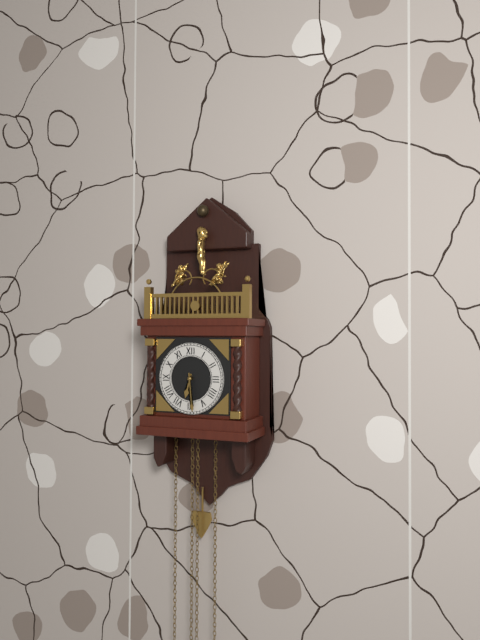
6:29
